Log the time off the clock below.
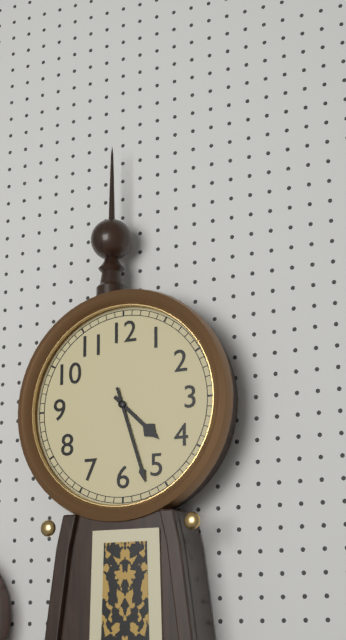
4:27
